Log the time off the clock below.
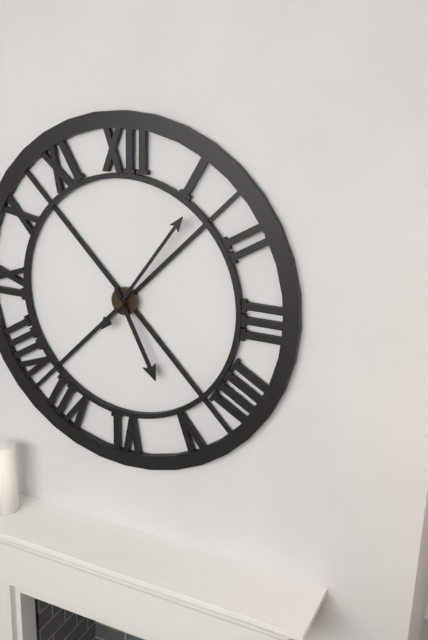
5:06
